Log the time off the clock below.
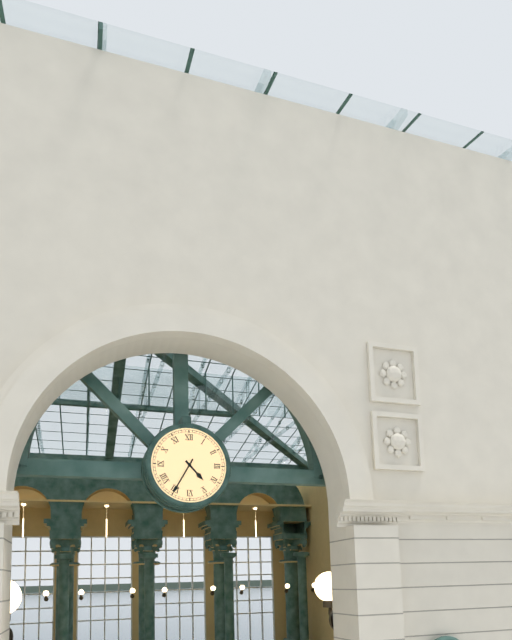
4:35
